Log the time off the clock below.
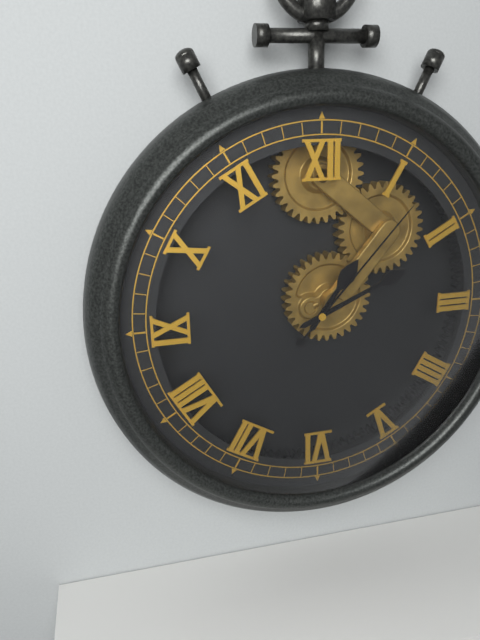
1:11:07
